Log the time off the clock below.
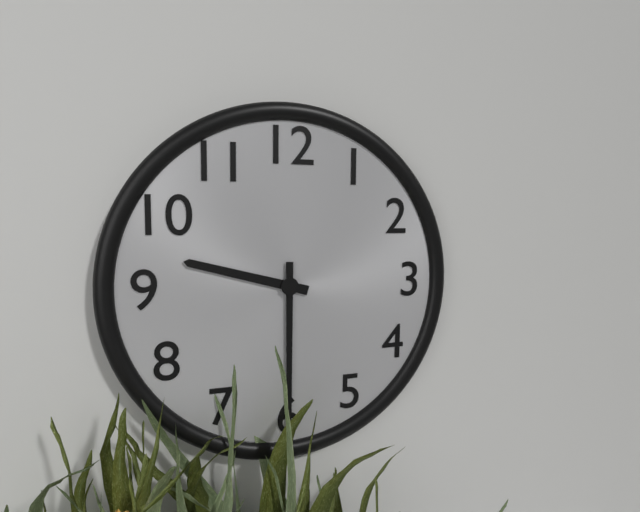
9:30
